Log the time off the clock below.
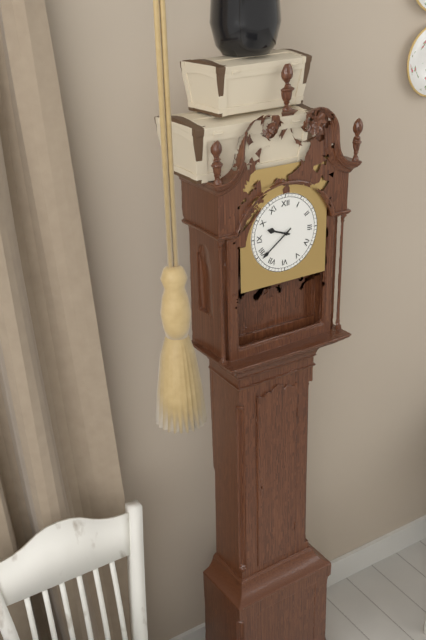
9:39
